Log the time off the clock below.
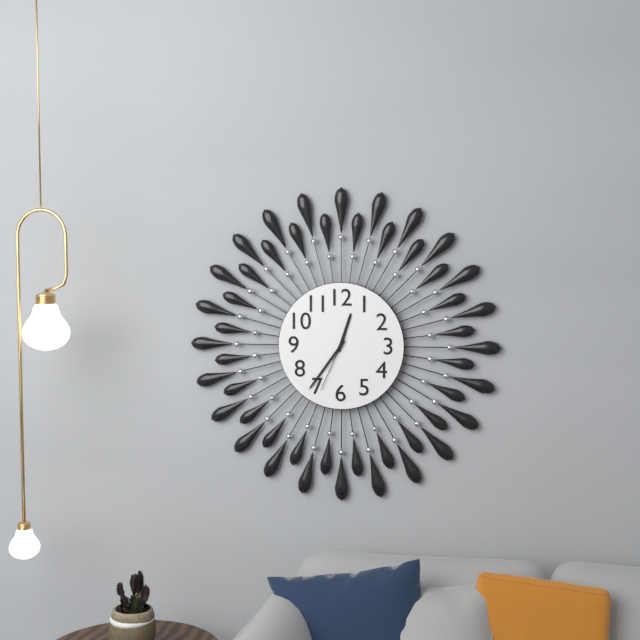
12:36:34
